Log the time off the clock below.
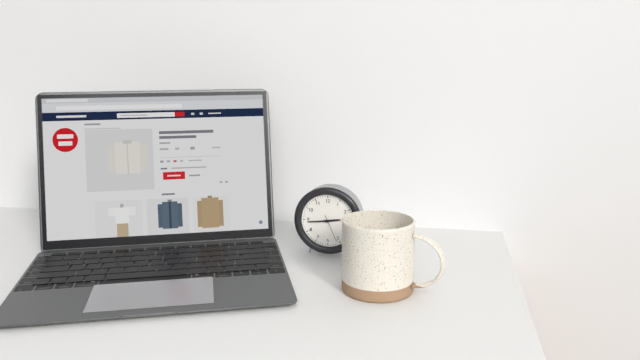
2:44
